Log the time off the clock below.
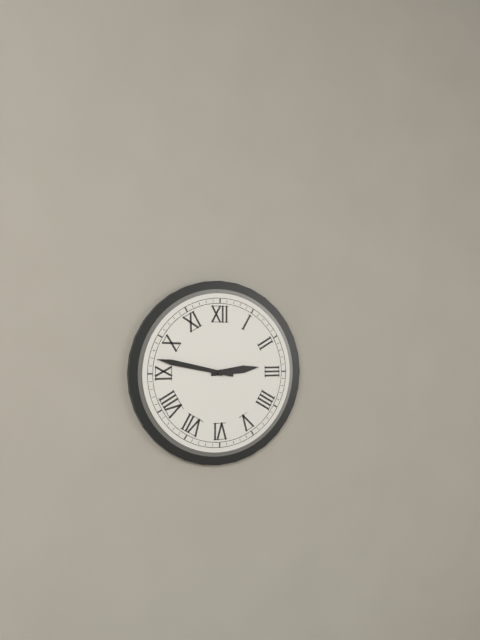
2:47
